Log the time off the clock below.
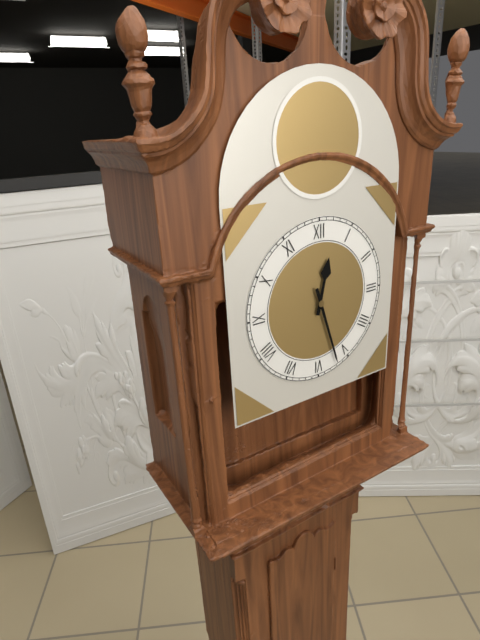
12:27
